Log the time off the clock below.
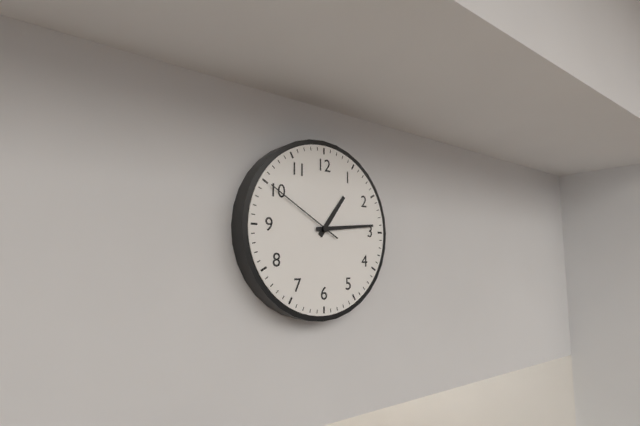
1:14:50
